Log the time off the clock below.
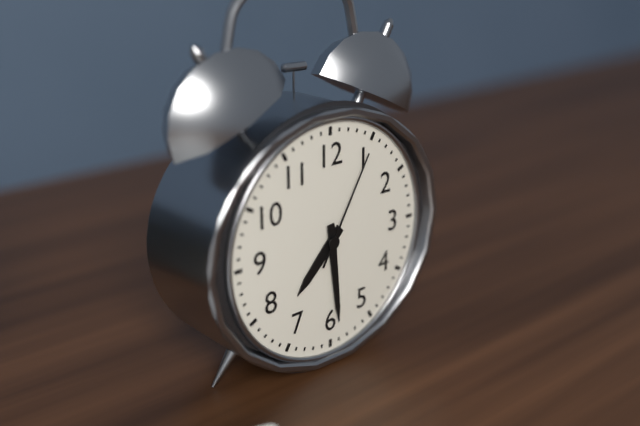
7:29:05
